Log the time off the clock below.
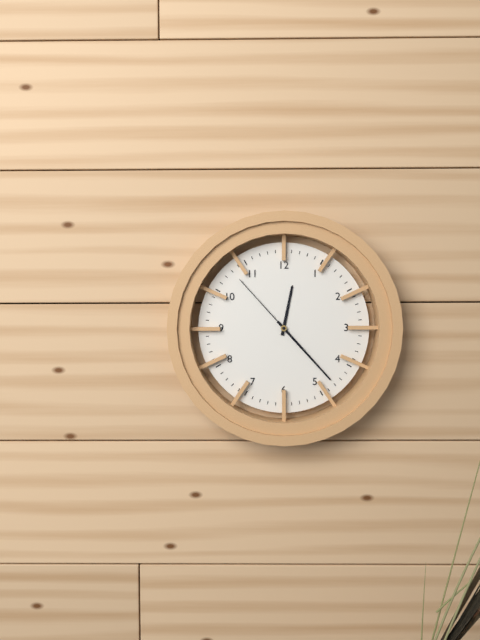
12:23:53
